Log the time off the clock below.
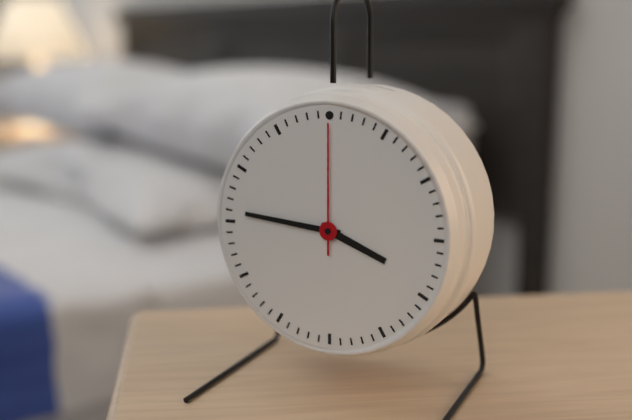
3:46:00
